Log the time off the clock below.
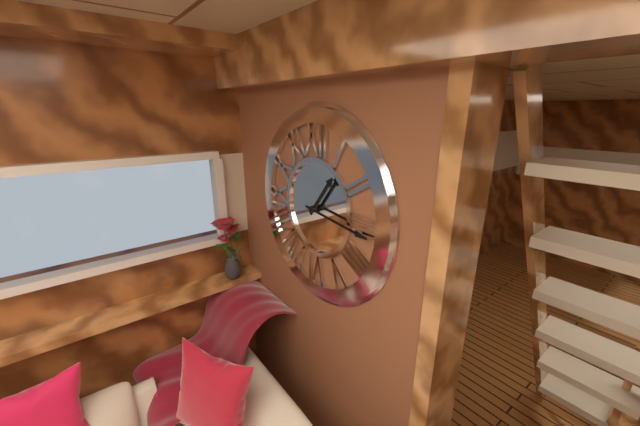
1:16
